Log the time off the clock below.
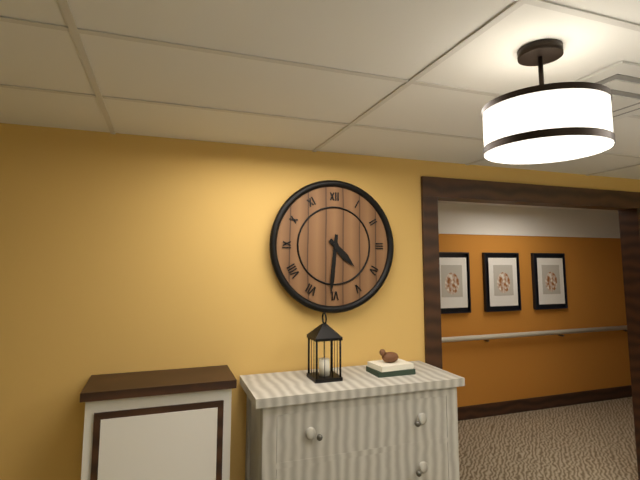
4:31
